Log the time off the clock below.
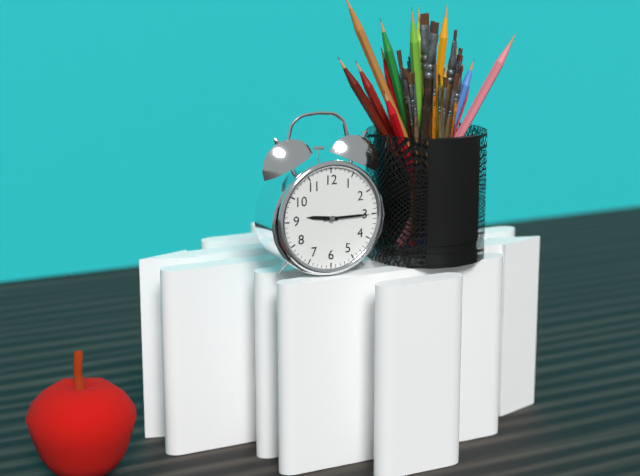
9:15
